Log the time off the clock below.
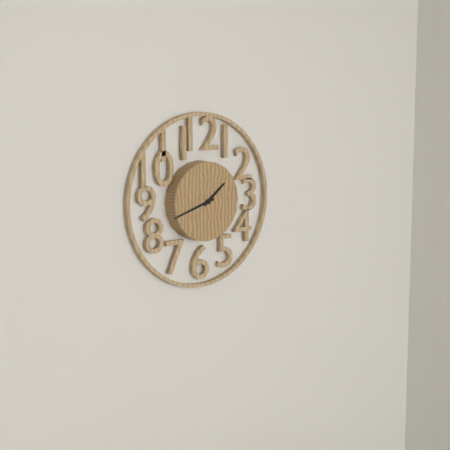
1:42
